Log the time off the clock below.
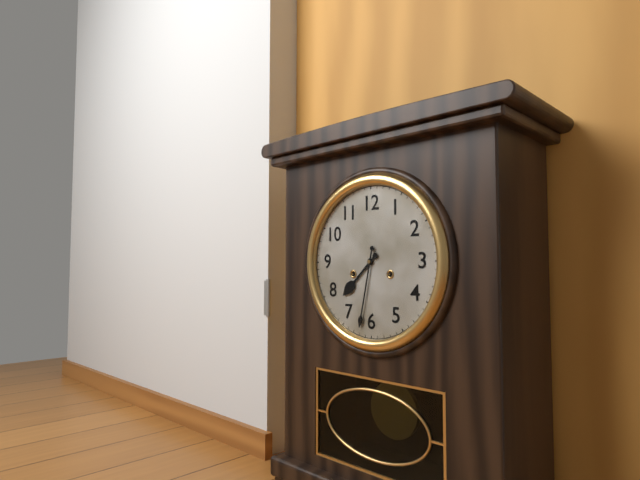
7:32
